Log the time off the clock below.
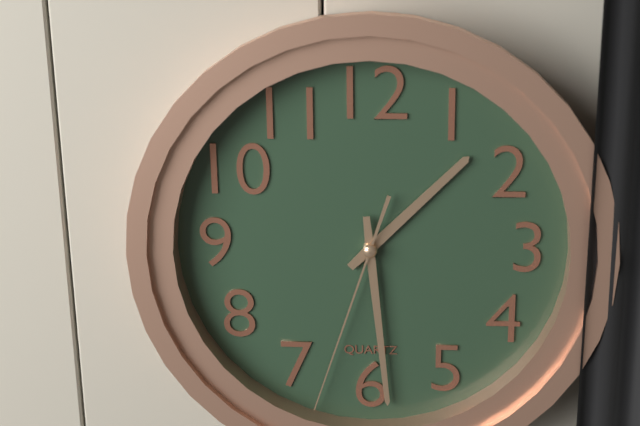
1:29:33
